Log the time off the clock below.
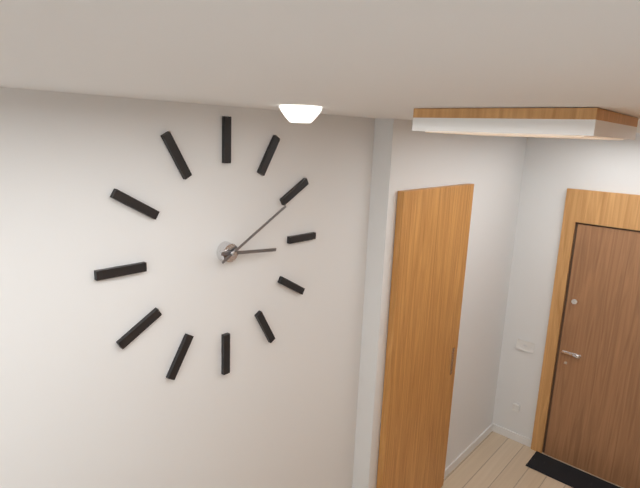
3:10
